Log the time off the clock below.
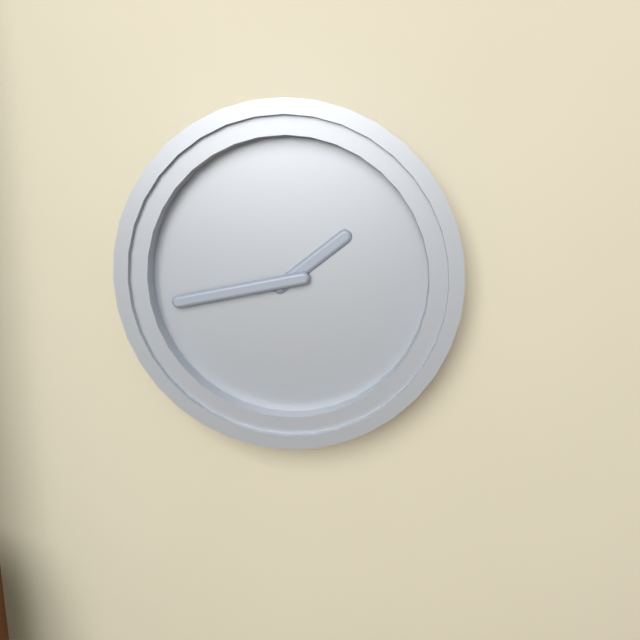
1:43
